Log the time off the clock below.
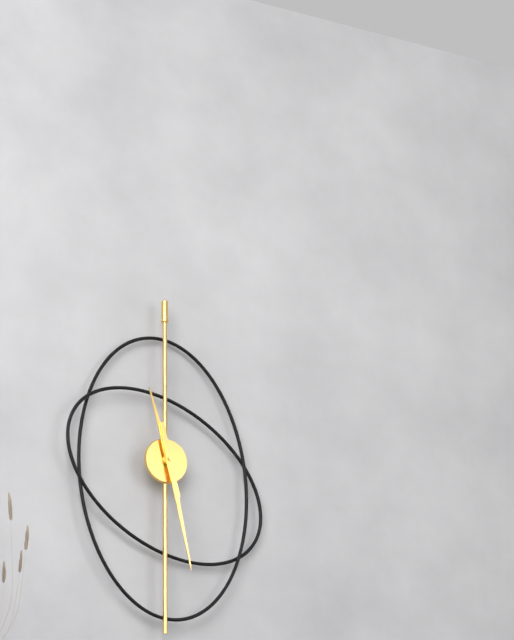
11:28
